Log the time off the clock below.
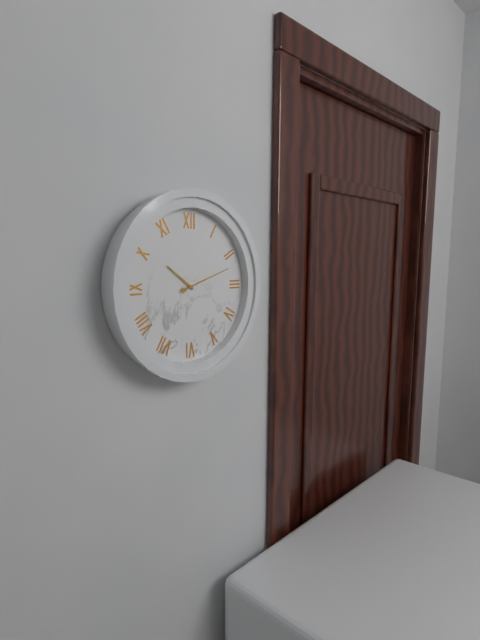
10:12
